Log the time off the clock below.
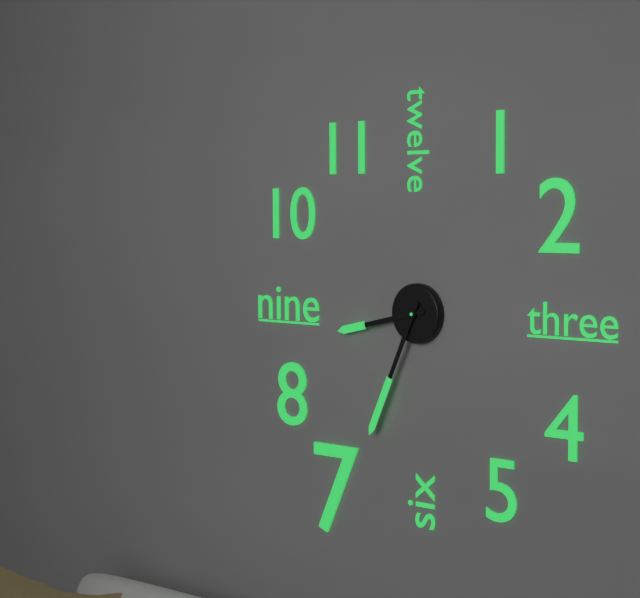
8:34
